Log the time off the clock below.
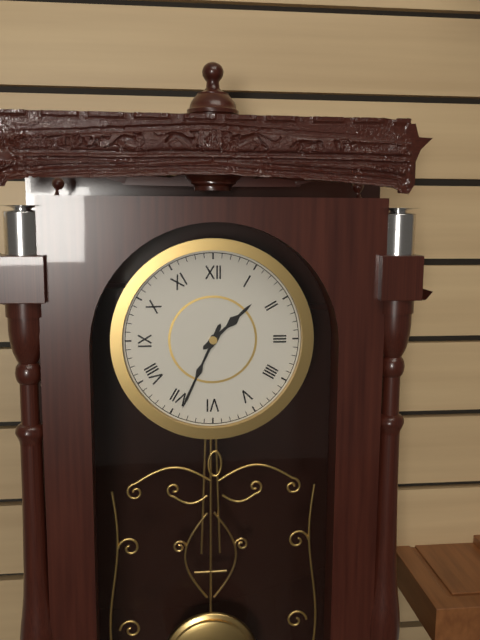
1:34
